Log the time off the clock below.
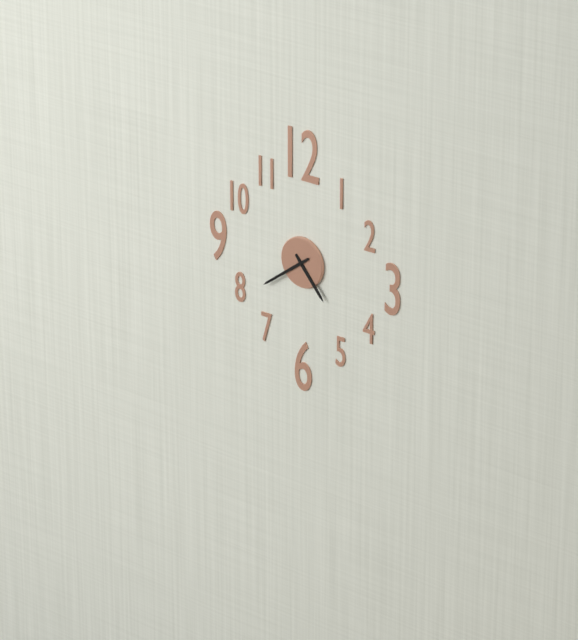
4:39
